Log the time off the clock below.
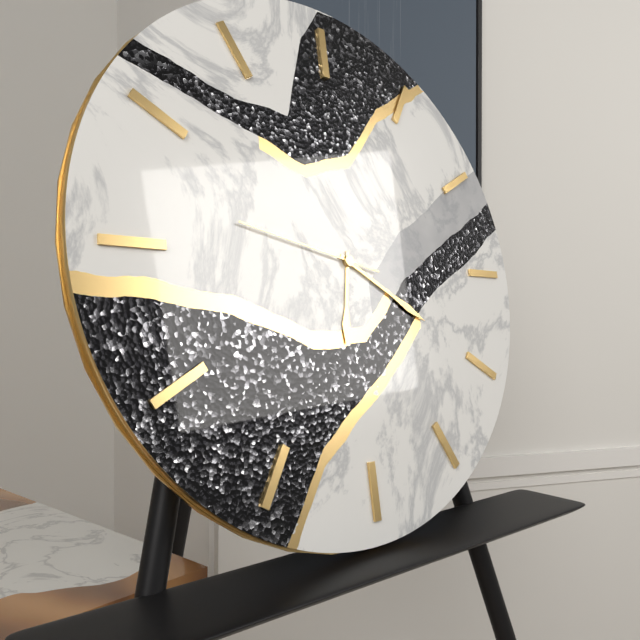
6:20:47
